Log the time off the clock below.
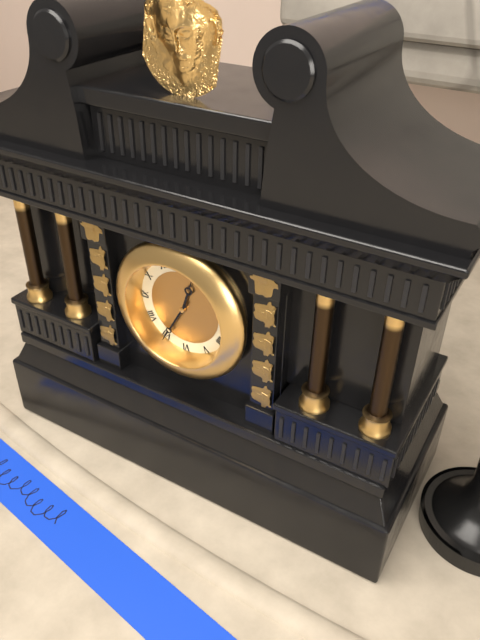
12:35
